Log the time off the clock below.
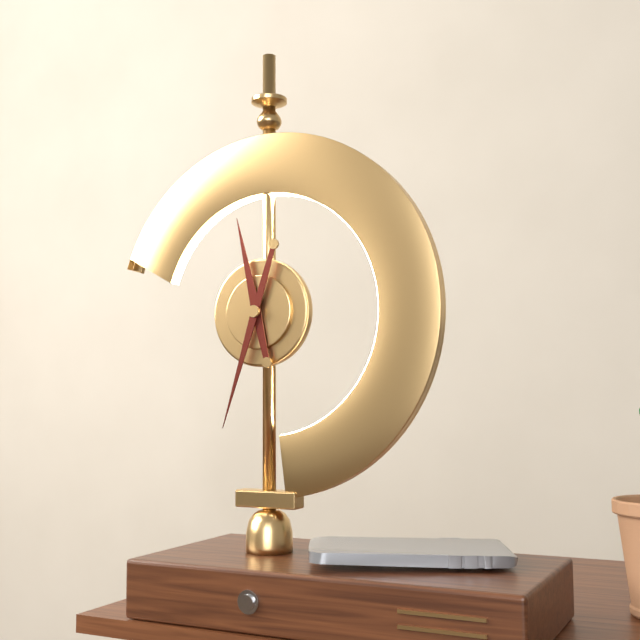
11:33
